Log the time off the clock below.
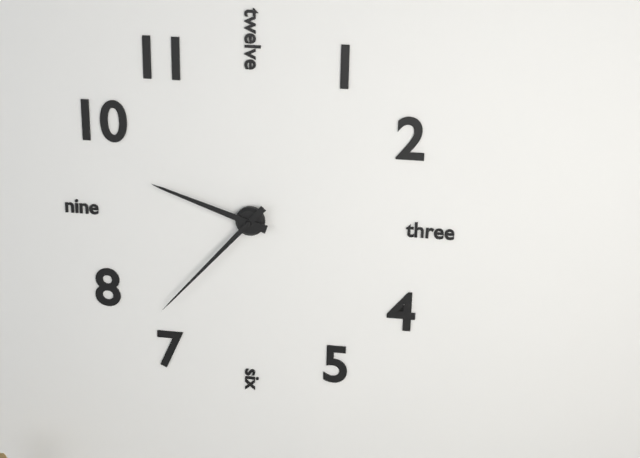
9:37
